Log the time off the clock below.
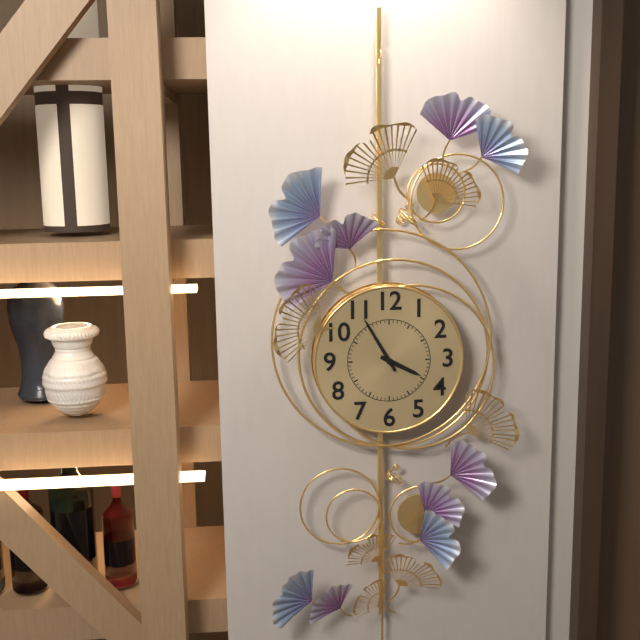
3:55
